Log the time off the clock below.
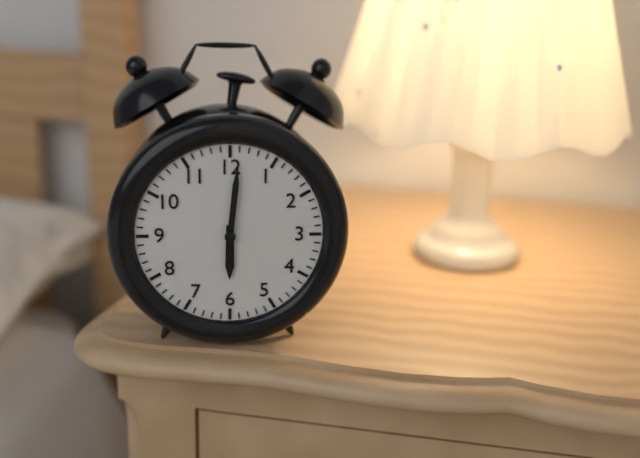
6:01
